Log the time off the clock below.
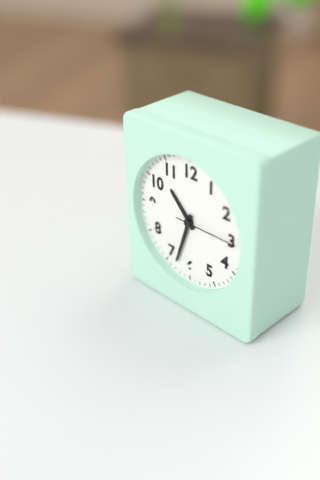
10:33:15
